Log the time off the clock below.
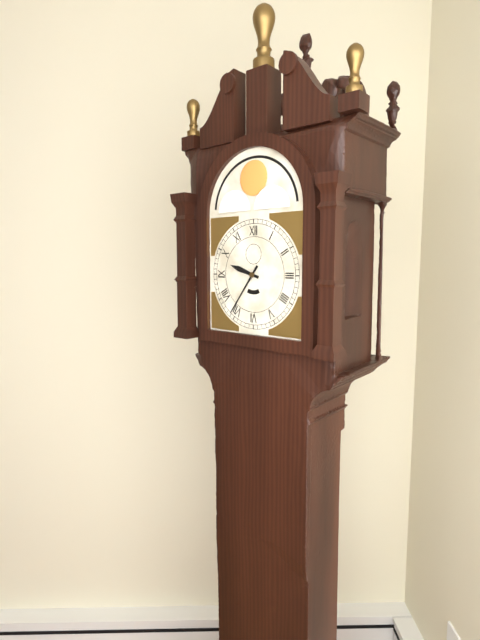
9:36
